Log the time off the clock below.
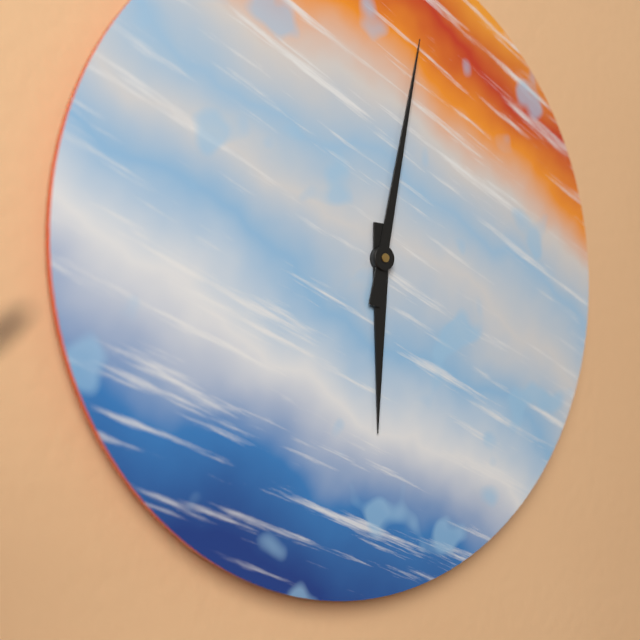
6:02
